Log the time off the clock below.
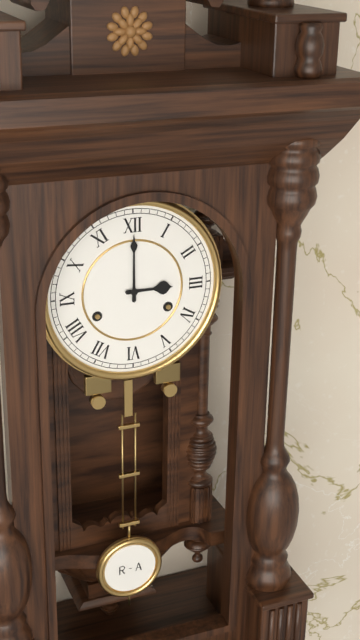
3:00
